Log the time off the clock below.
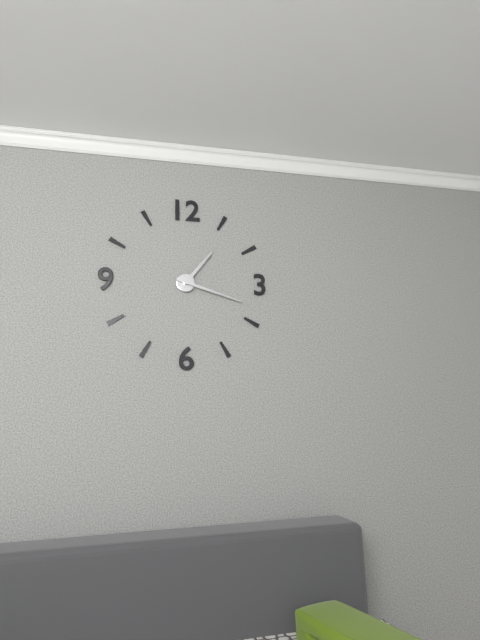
1:18
